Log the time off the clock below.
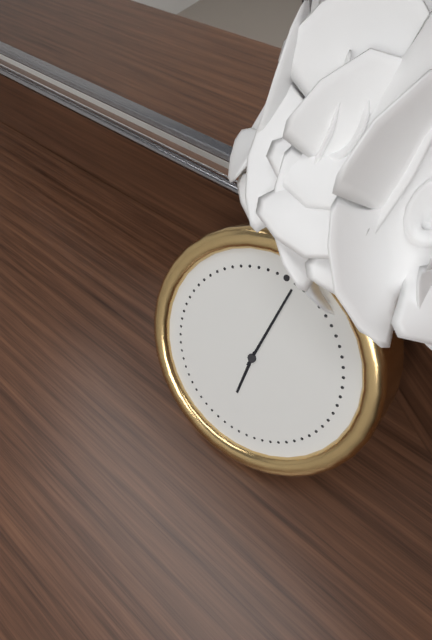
6:01
